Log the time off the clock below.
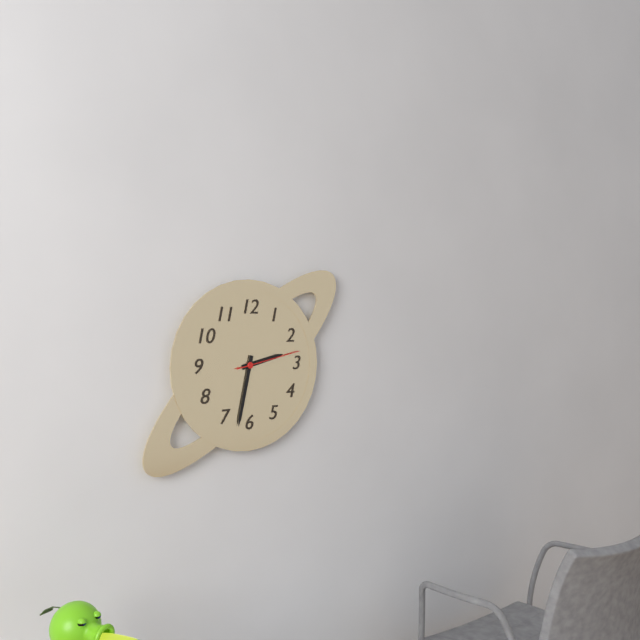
2:32:13
